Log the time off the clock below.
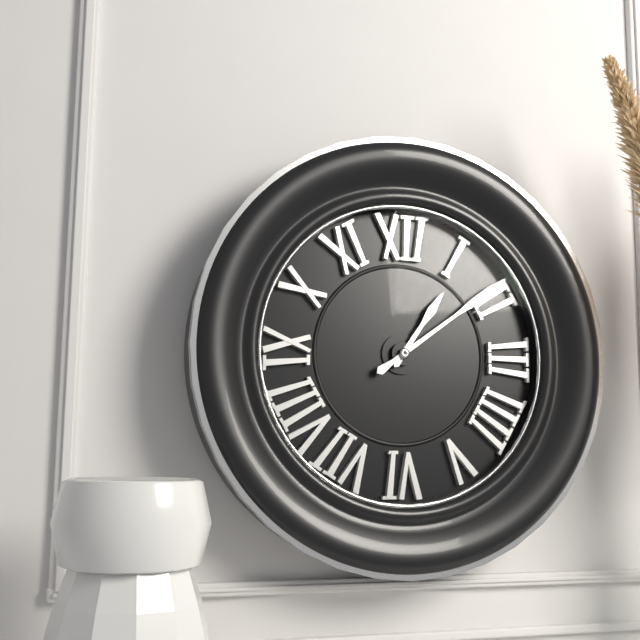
1:09
